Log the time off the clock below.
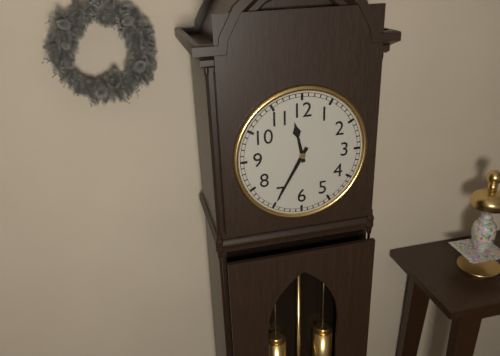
11:35
